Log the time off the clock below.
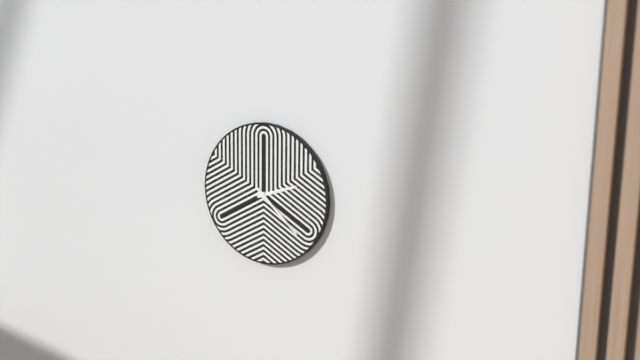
2:22
